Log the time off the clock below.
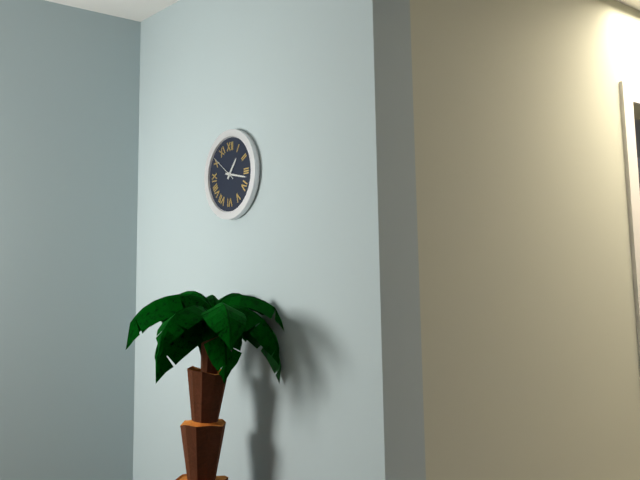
1:17
